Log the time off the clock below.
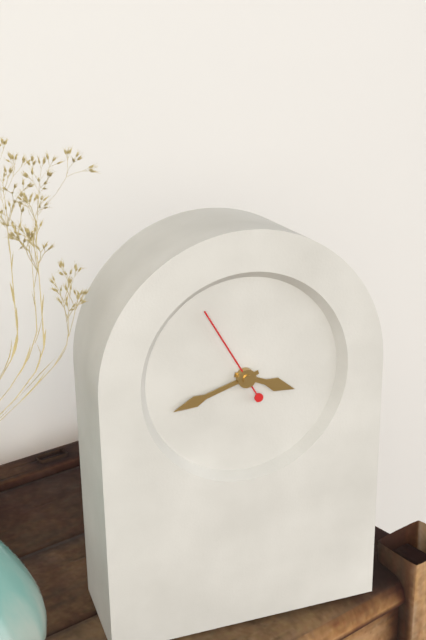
3:42:55
